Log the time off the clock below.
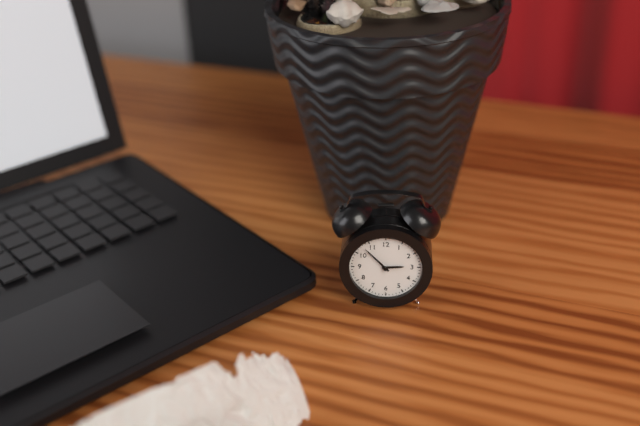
2:53
